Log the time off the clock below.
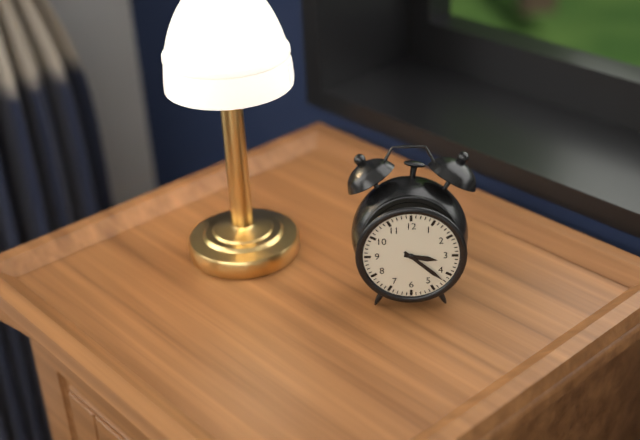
3:22
